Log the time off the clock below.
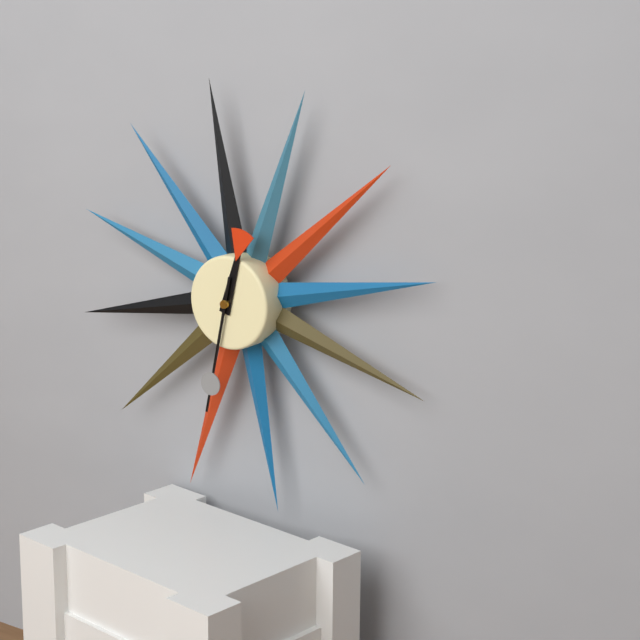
12:32
